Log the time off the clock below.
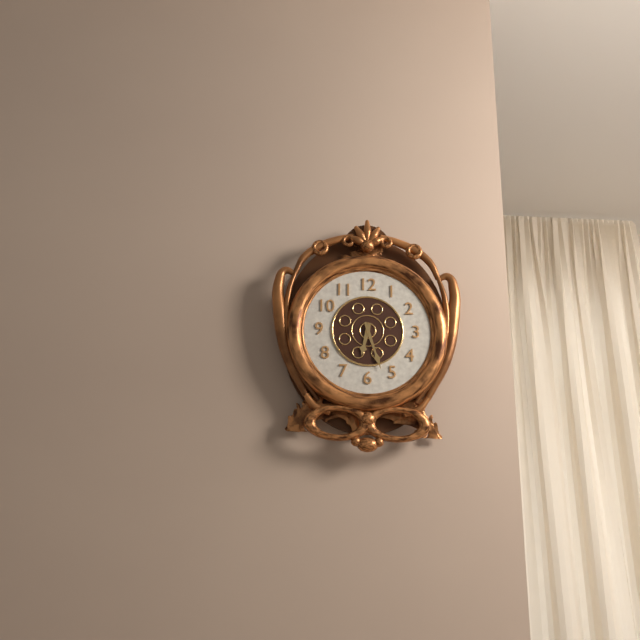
6:27
